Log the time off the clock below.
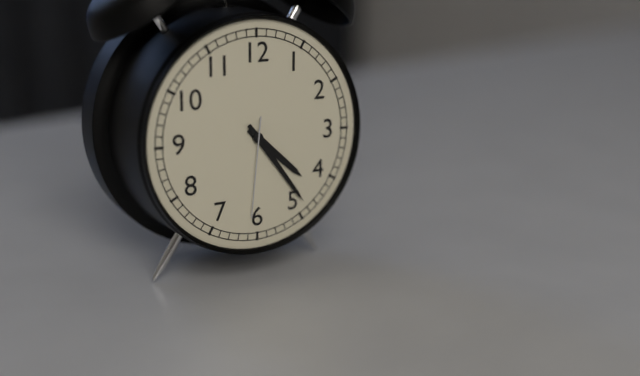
4:24:31
